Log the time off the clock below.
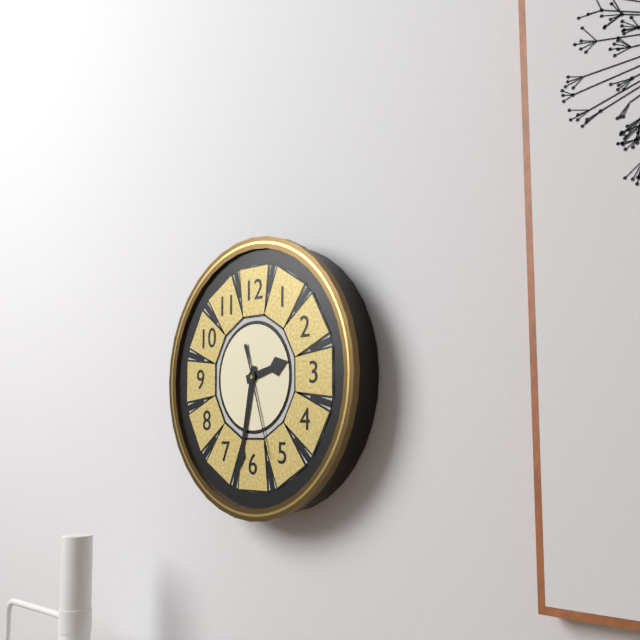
2:32:27
